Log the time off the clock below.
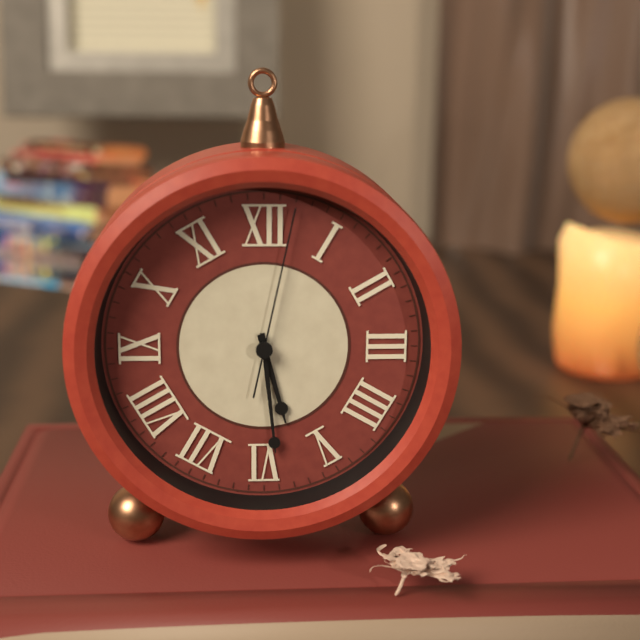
5:29:02
